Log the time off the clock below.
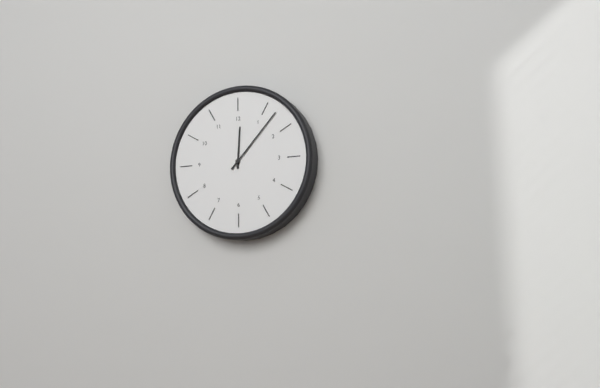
12:07
